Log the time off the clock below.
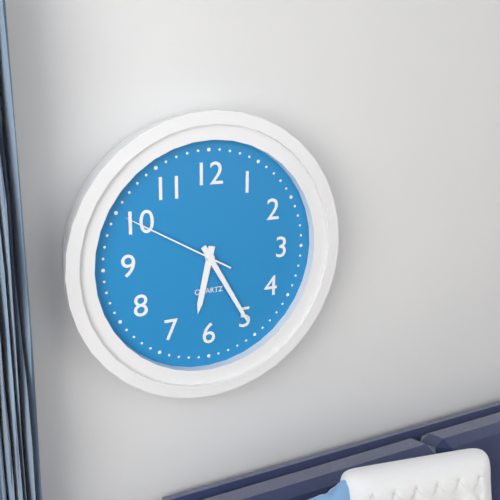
6:25:50
